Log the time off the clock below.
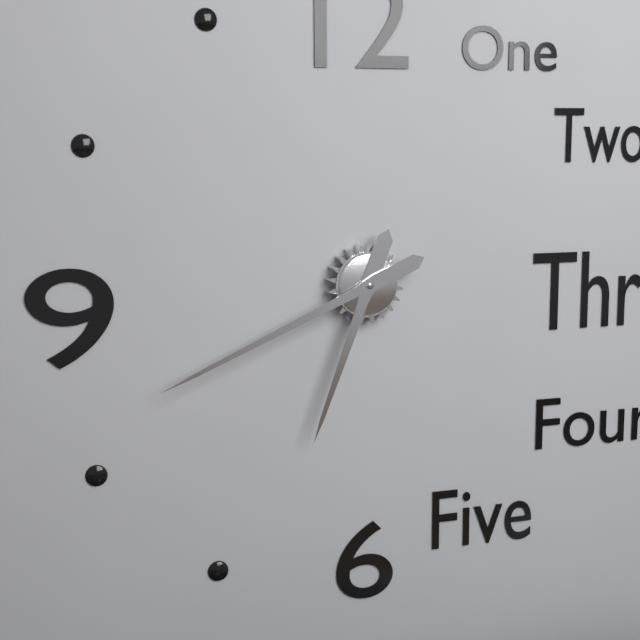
6:41
